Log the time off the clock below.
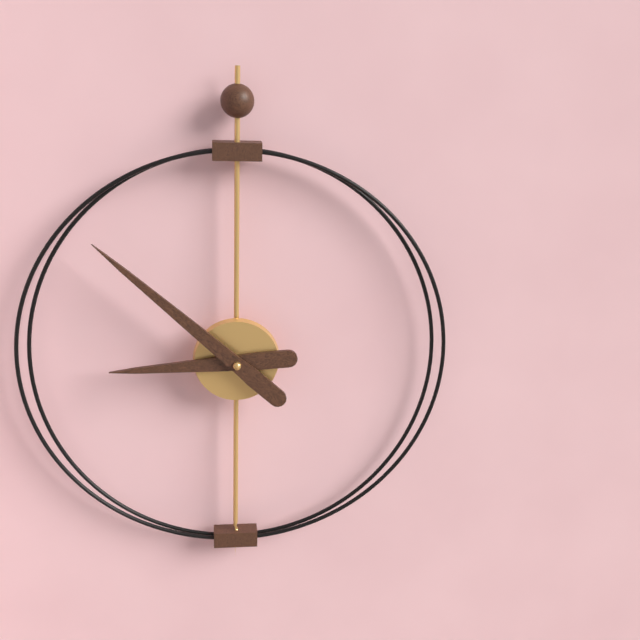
8:52
